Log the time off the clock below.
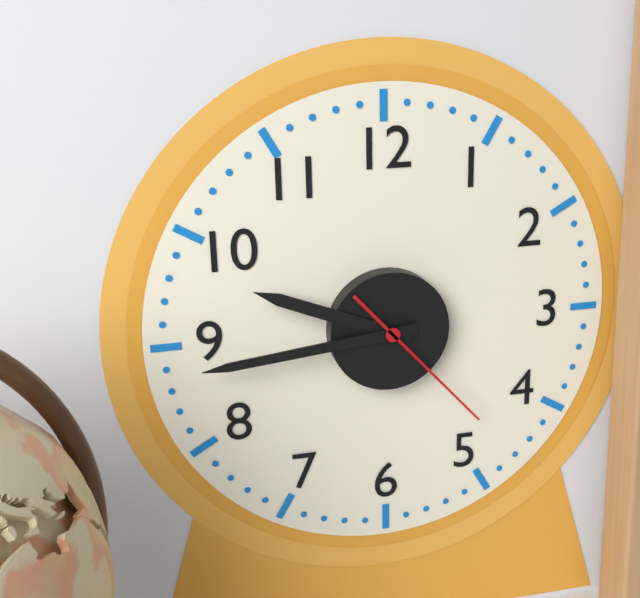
9:44:23
